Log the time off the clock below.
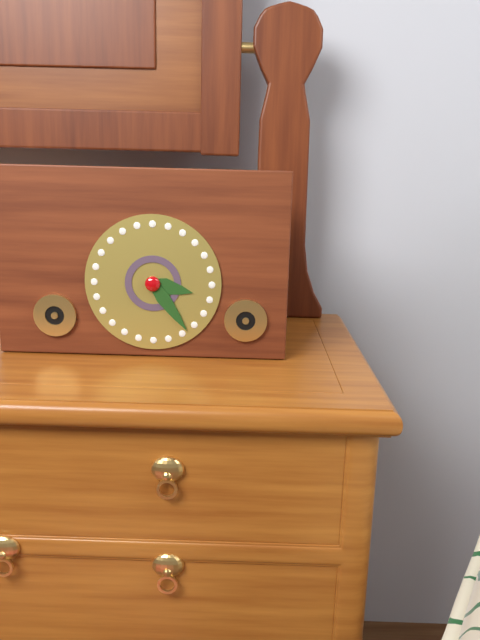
3:24
